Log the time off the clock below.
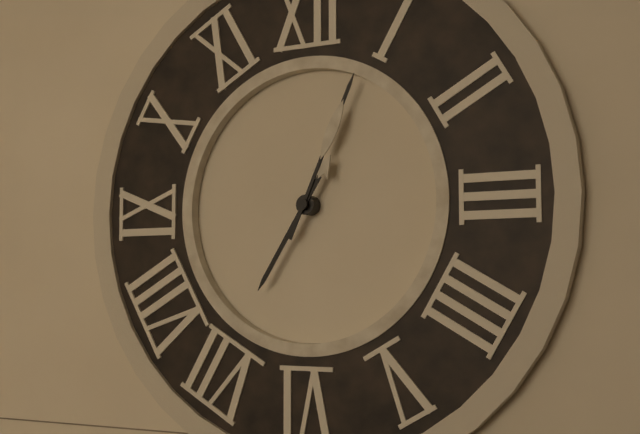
7:04
